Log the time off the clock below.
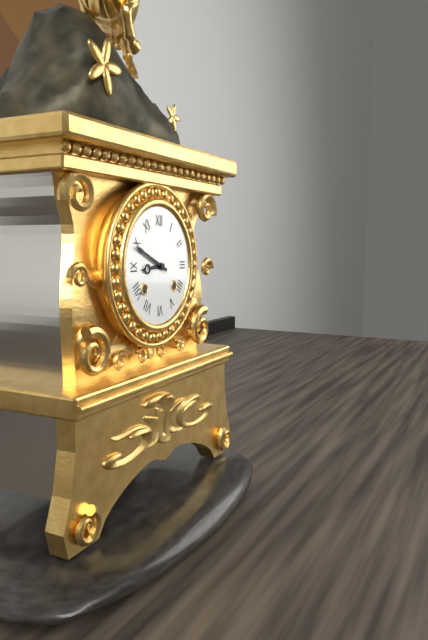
8:49
